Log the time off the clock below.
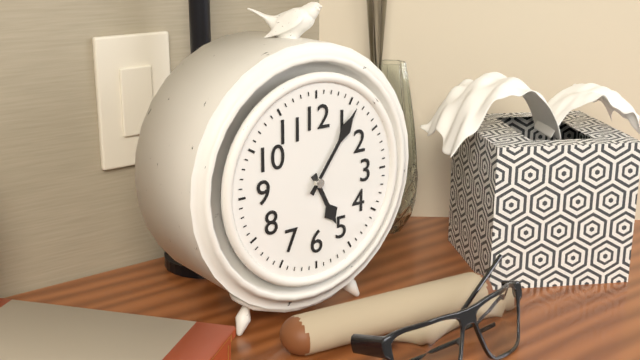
5:06
